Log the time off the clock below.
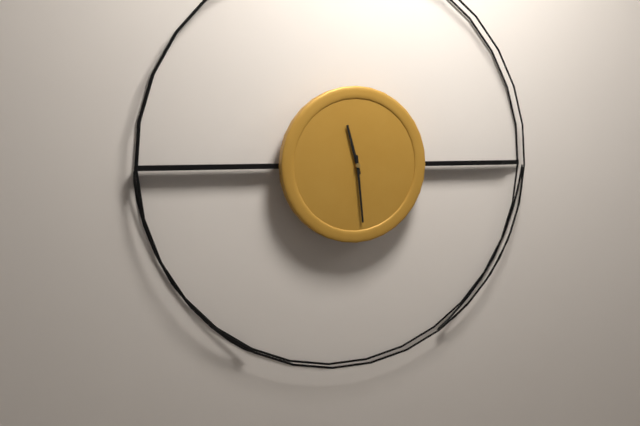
11:29
